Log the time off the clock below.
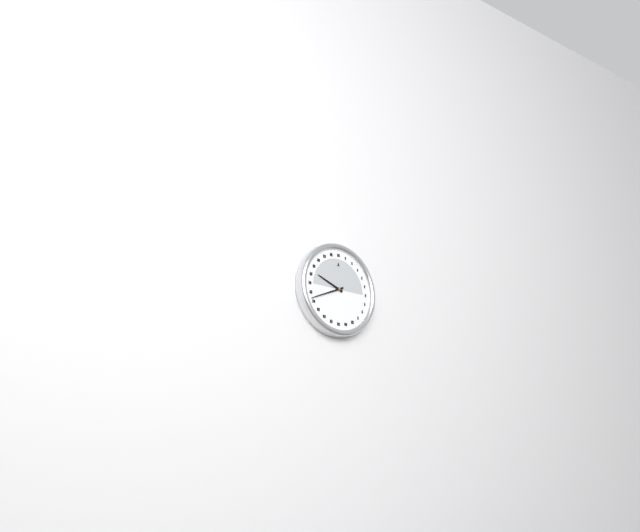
9:41
